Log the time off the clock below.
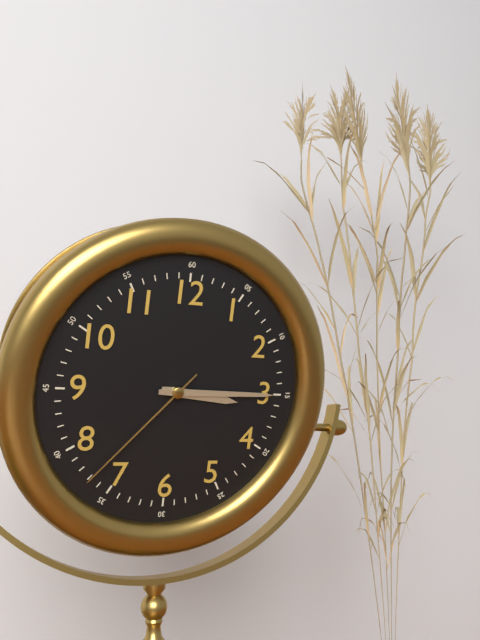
3:15:37
